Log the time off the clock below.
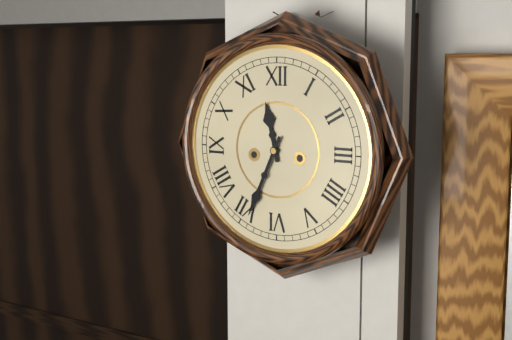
11:34
